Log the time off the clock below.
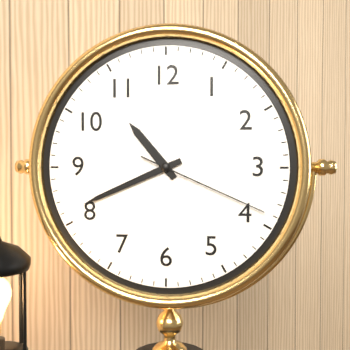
10:41:19
